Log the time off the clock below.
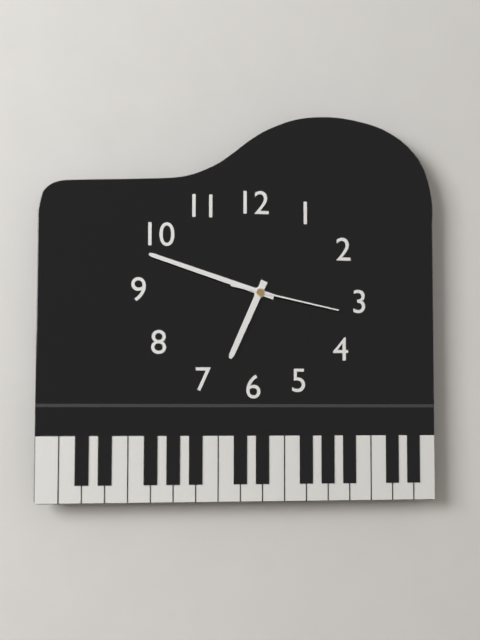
6:48:17
